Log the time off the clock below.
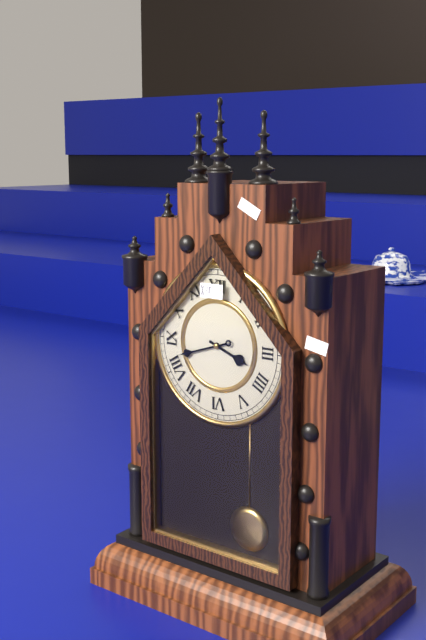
3:42
